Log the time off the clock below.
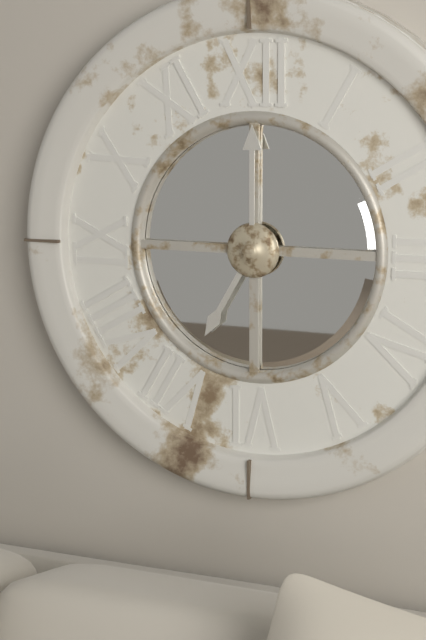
7:00
